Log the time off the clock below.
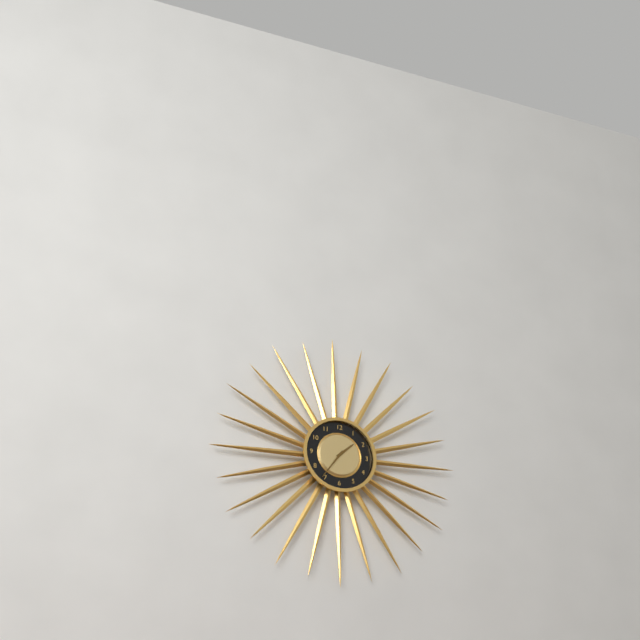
1:36
